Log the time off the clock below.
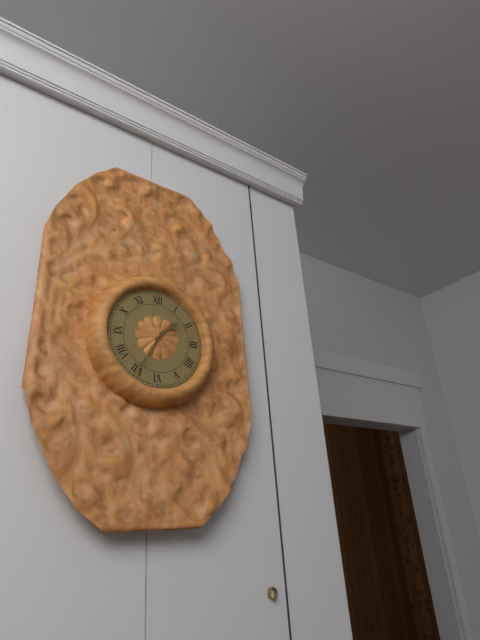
1:35
